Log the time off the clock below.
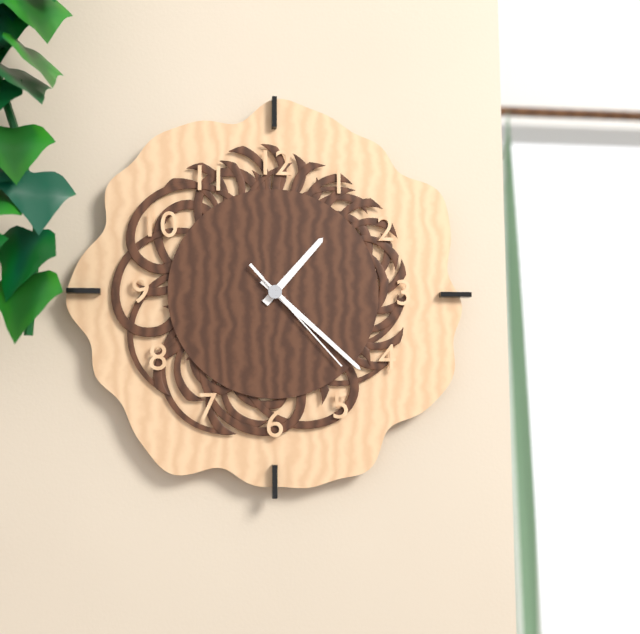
1:22:23
